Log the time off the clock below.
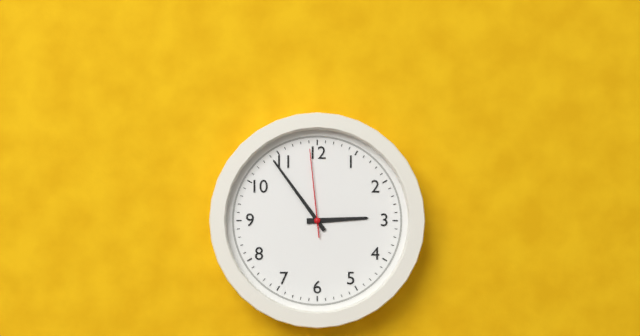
2:54:59
